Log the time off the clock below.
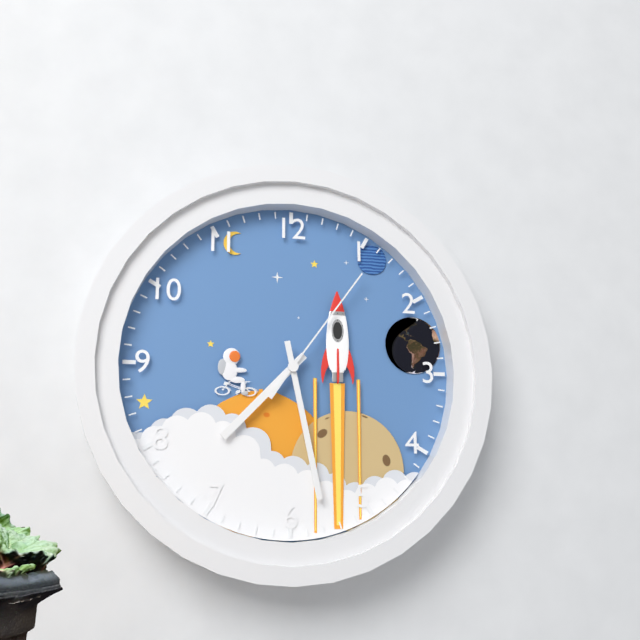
7:28:06
